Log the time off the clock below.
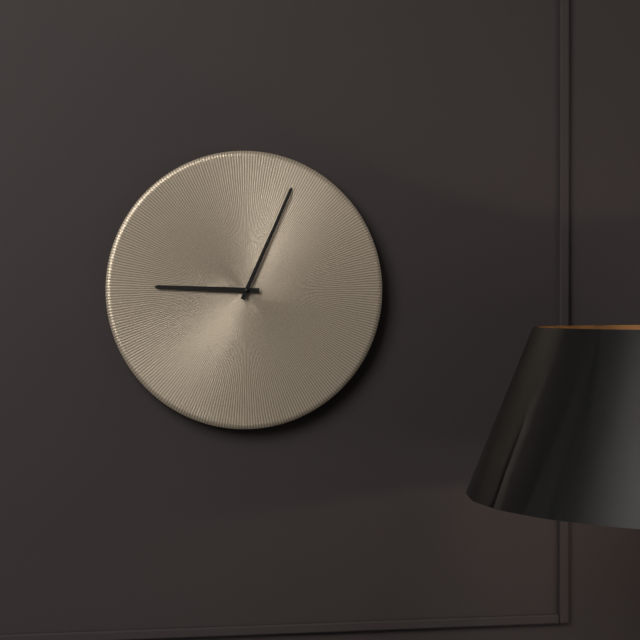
9:04
